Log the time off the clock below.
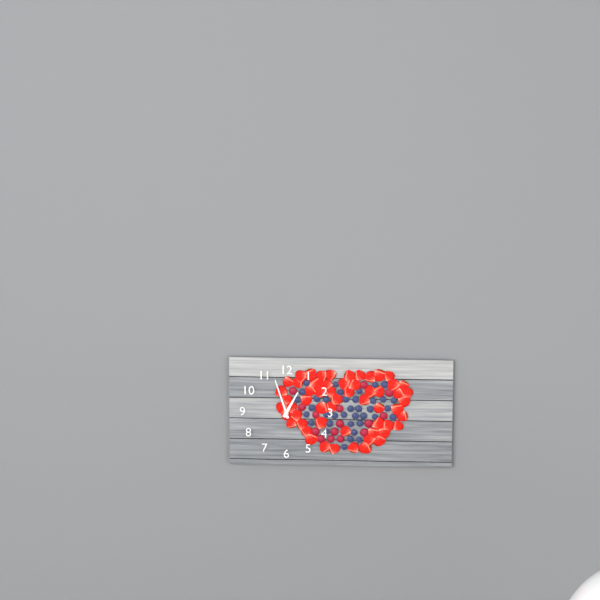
12:57
